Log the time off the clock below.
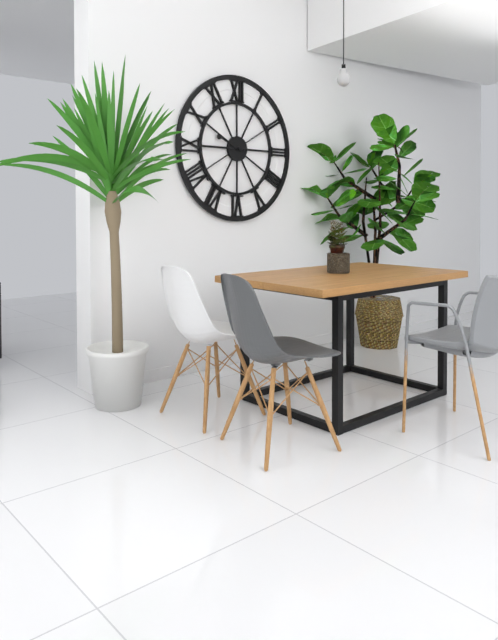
9:45
